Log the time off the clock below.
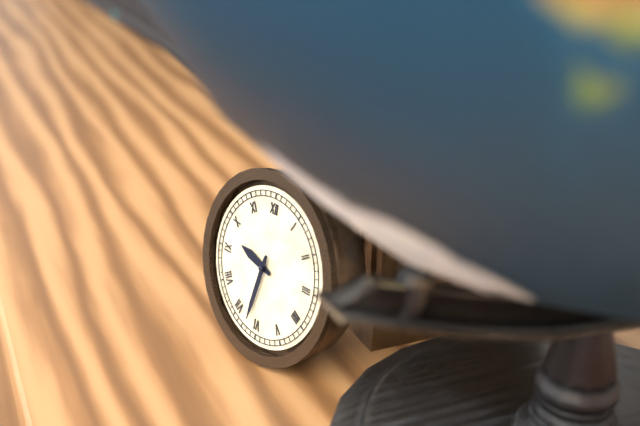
9:32
